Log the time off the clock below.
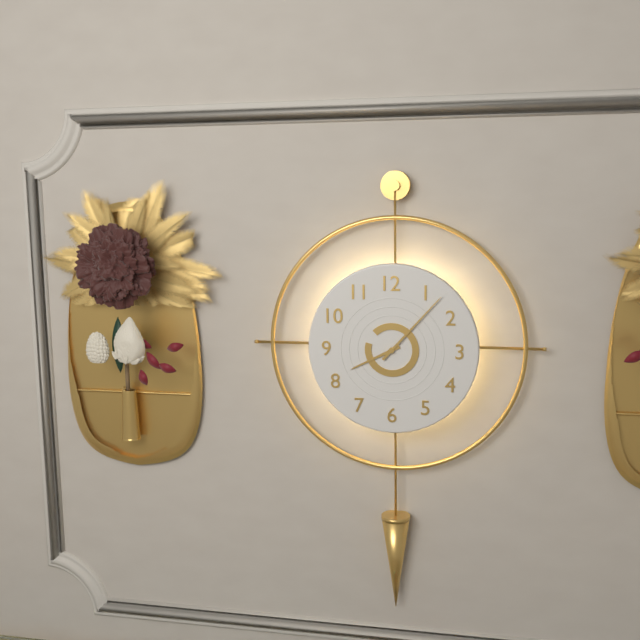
8:07
